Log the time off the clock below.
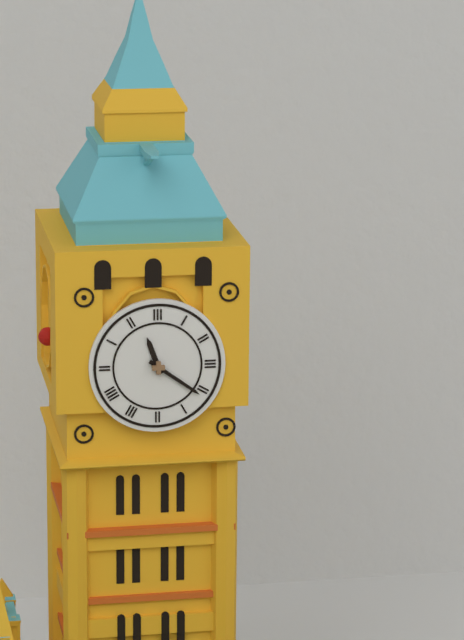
11:21
